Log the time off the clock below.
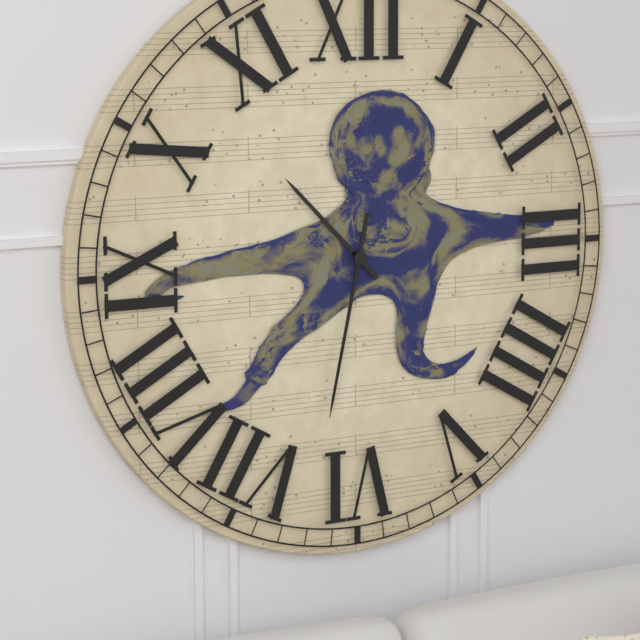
10:32
